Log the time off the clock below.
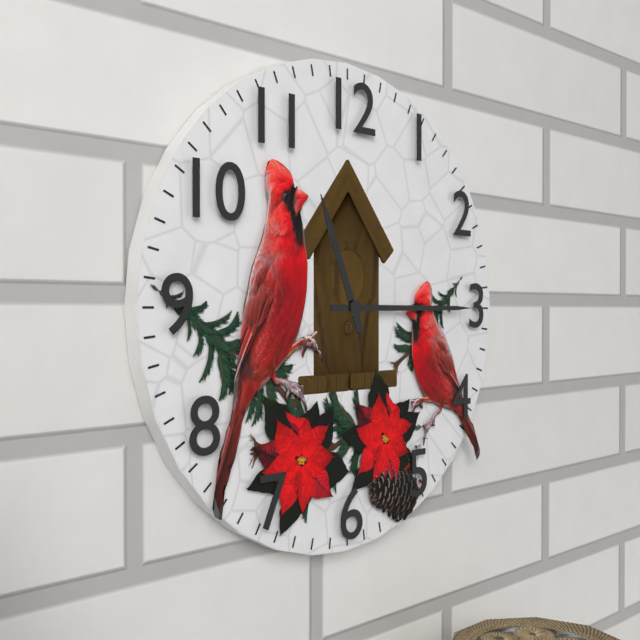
11:15
